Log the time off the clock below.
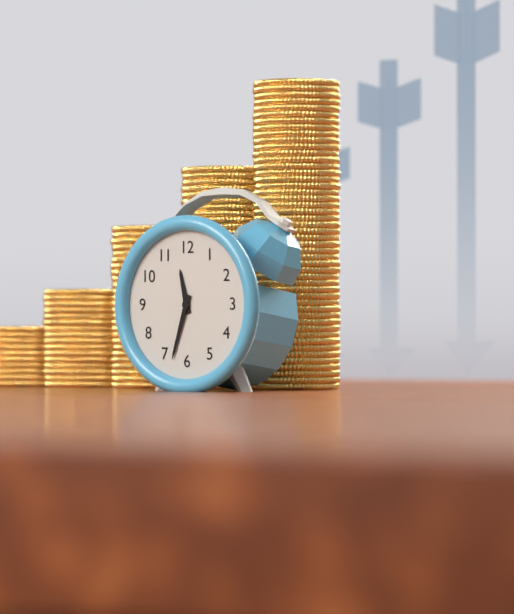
11:33
